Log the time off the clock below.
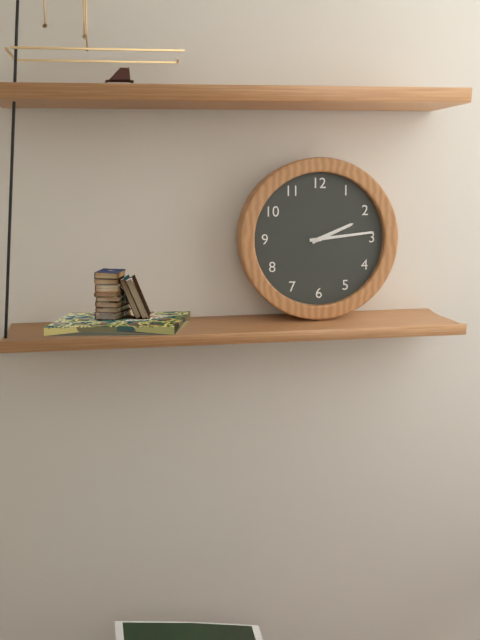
2:14
